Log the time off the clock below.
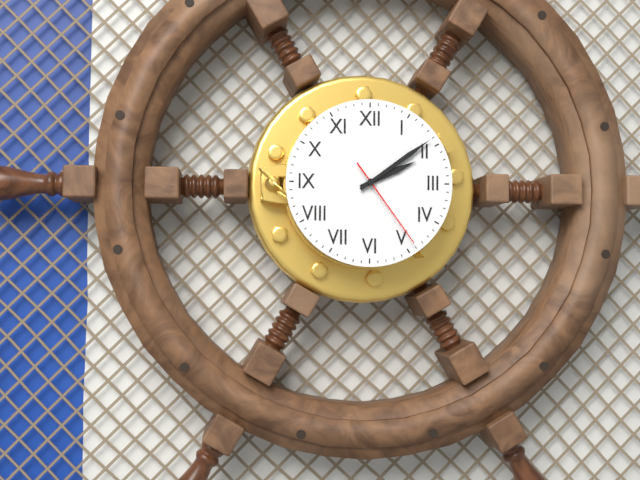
2:09:24
